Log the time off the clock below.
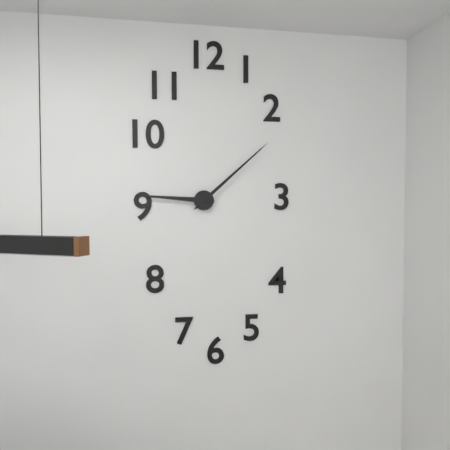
9:08
